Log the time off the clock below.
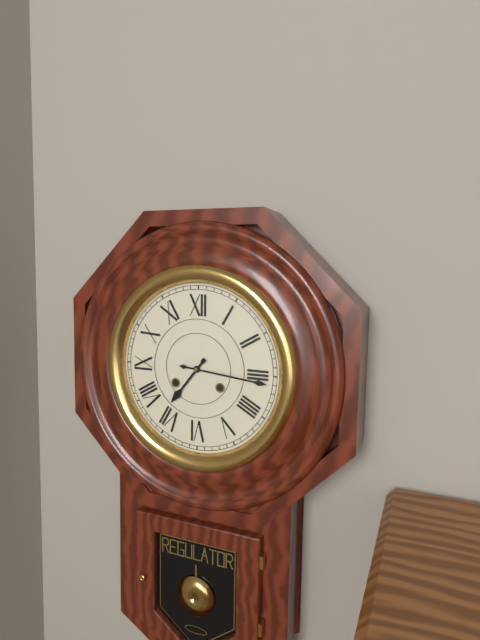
7:16
